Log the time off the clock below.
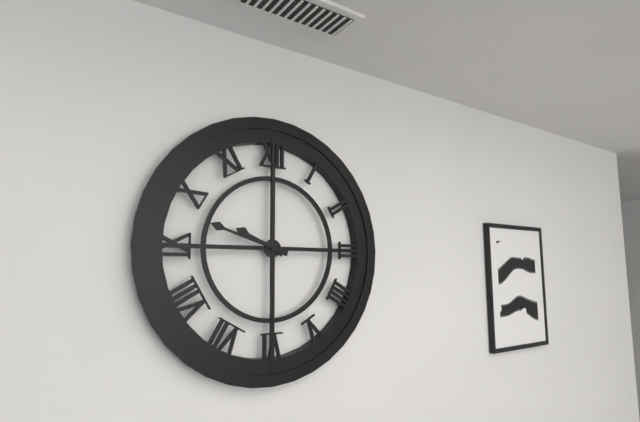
9:48
